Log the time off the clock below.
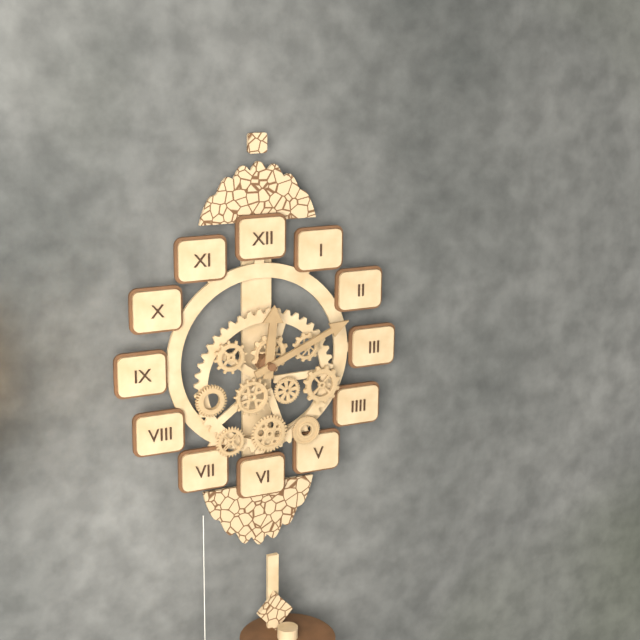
12:11
